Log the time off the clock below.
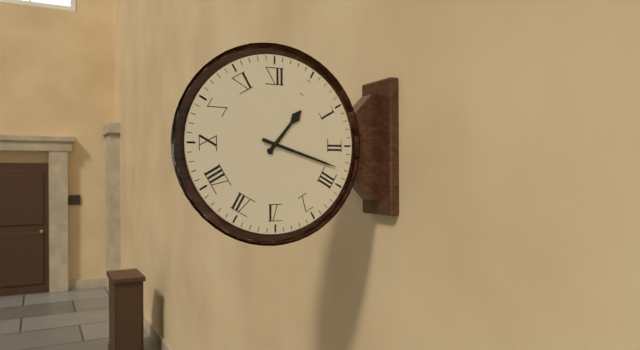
1:18
